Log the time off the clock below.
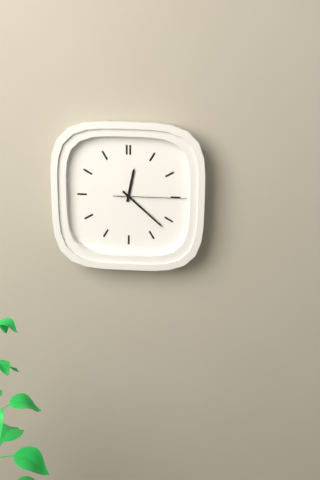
12:22:15
